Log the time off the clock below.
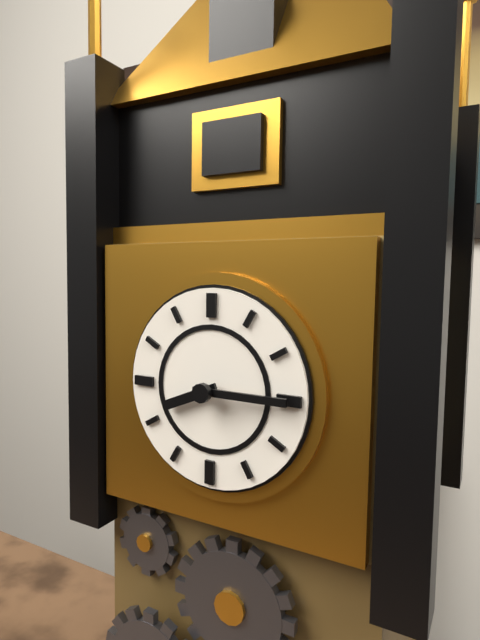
8:15
